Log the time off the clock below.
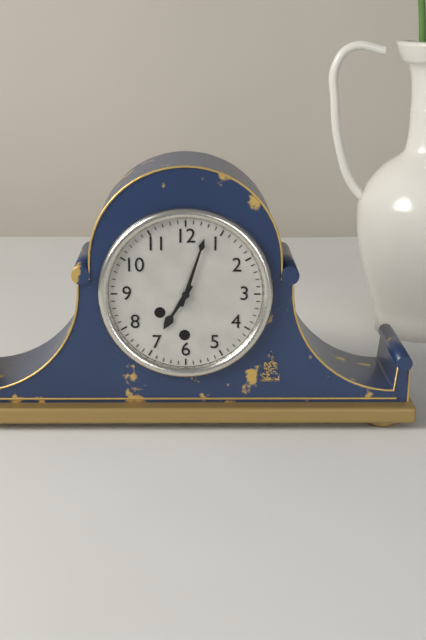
7:03
